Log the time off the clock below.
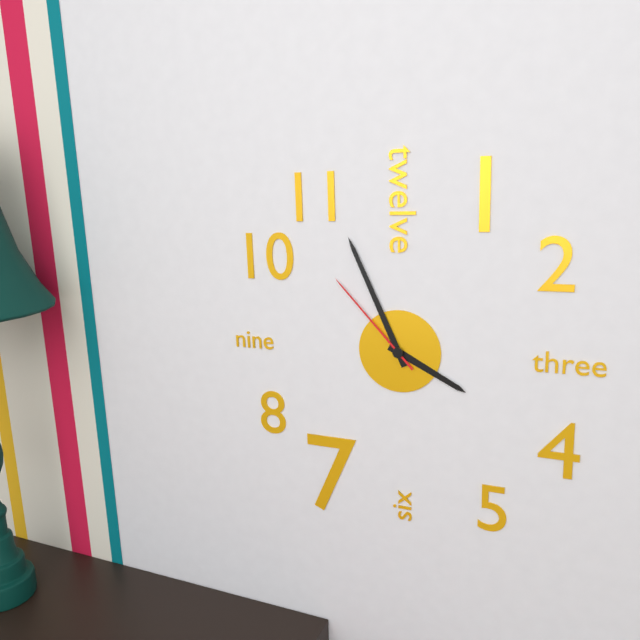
3:56:53
